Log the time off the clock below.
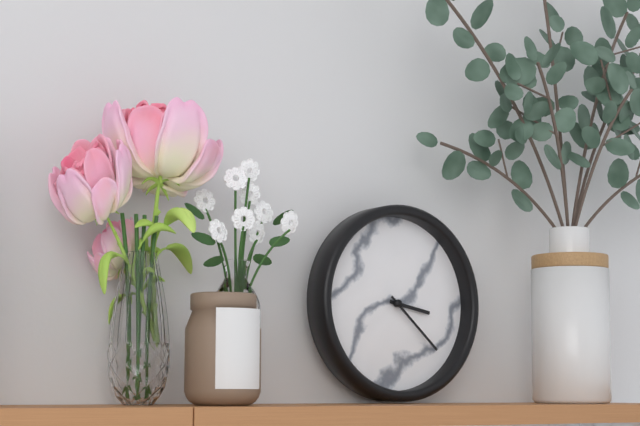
3:22
